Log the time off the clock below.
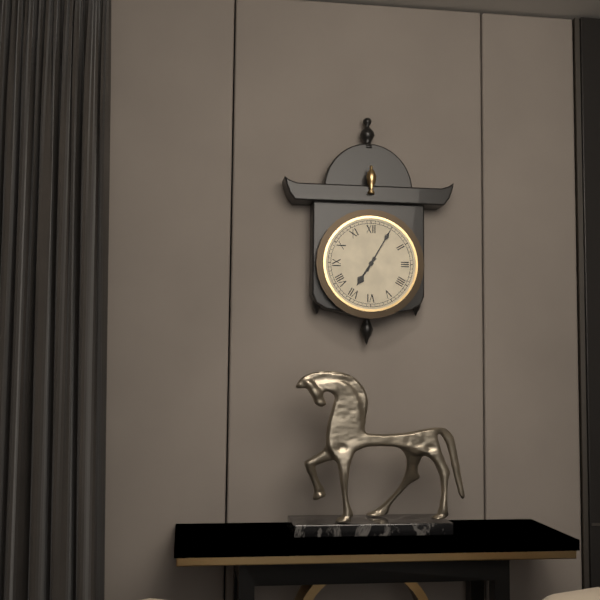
7:05
